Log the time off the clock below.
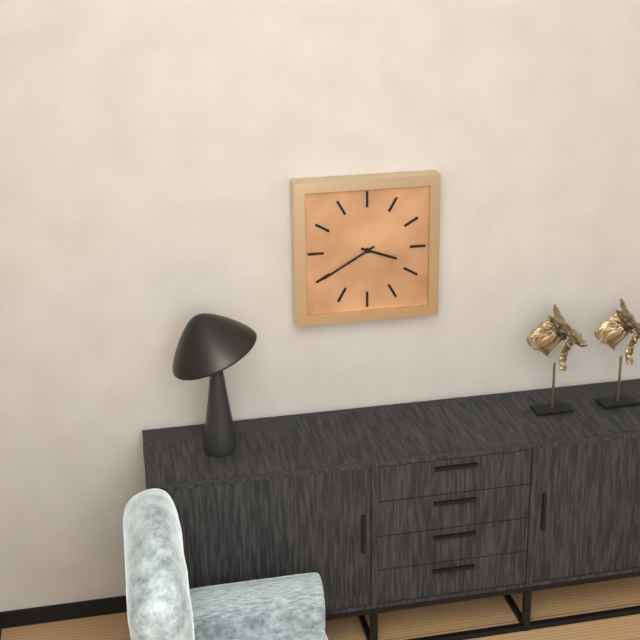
3:40
